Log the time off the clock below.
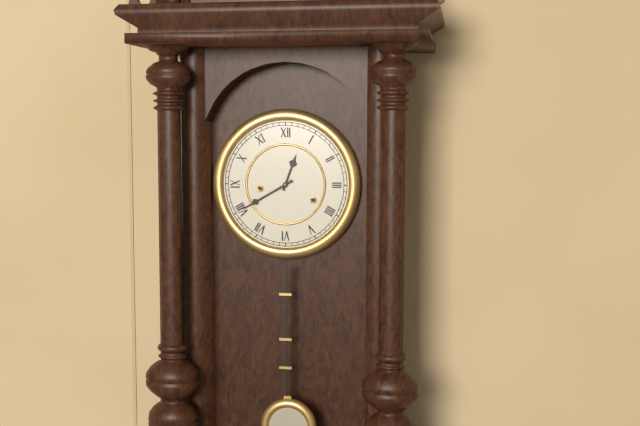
12:40
